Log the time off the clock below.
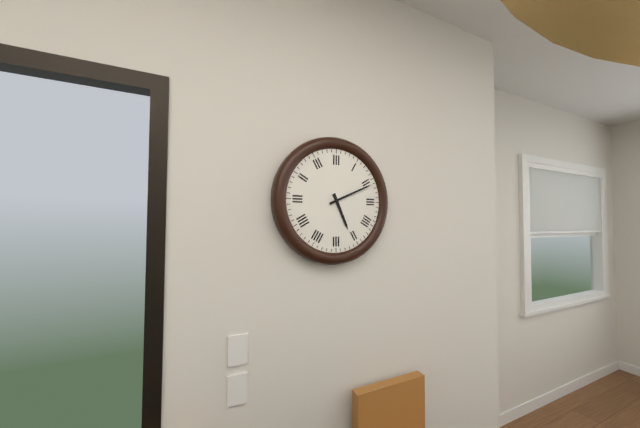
5:11
